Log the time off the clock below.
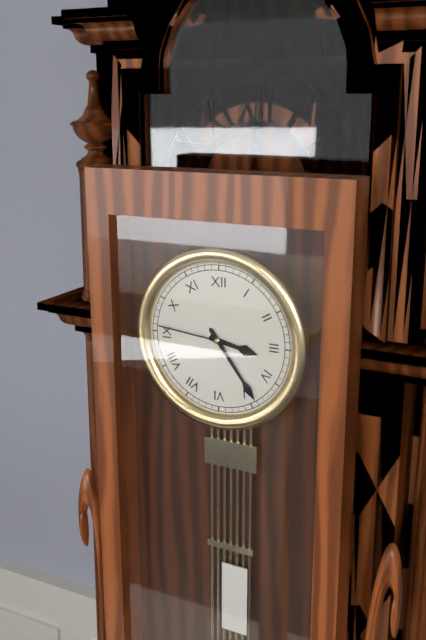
3:24:46
